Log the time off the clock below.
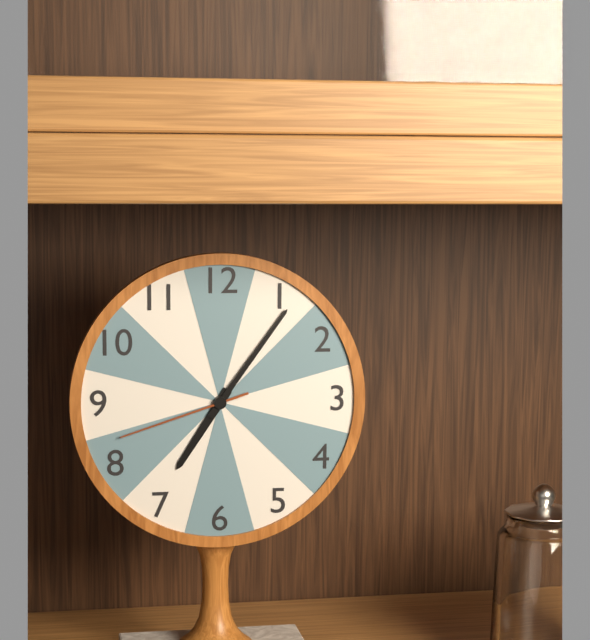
7:06:42
